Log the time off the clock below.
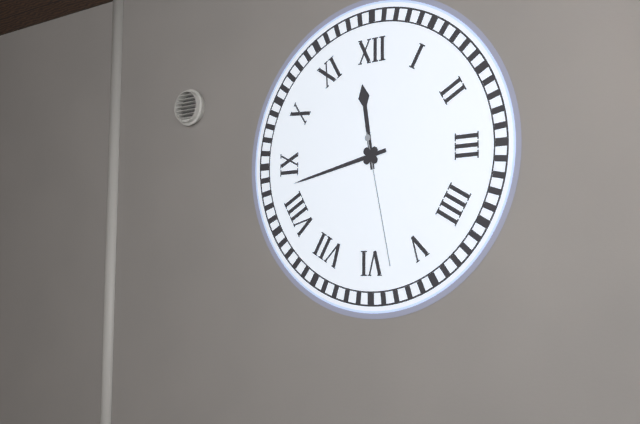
11:43:28
